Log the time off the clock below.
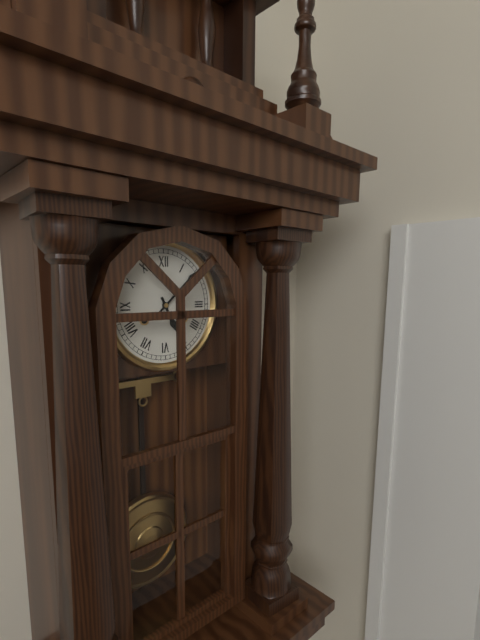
5:08
